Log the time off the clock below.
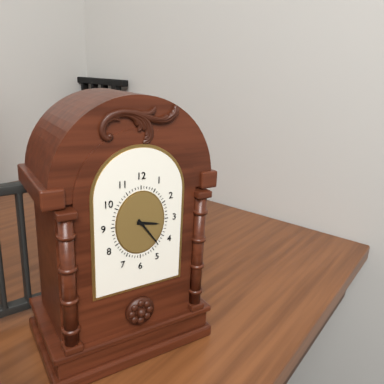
3:24
